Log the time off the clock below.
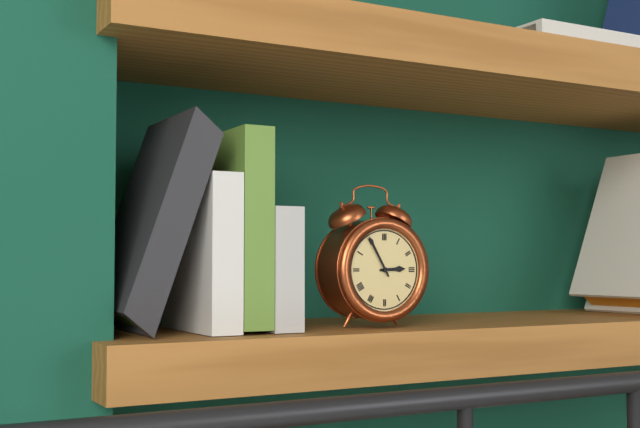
2:55
